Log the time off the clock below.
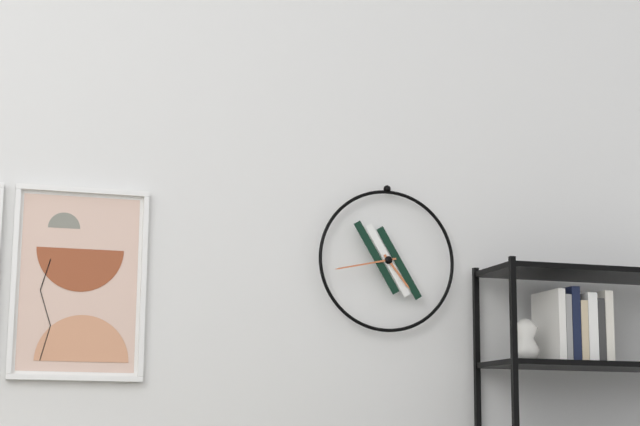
4:43
